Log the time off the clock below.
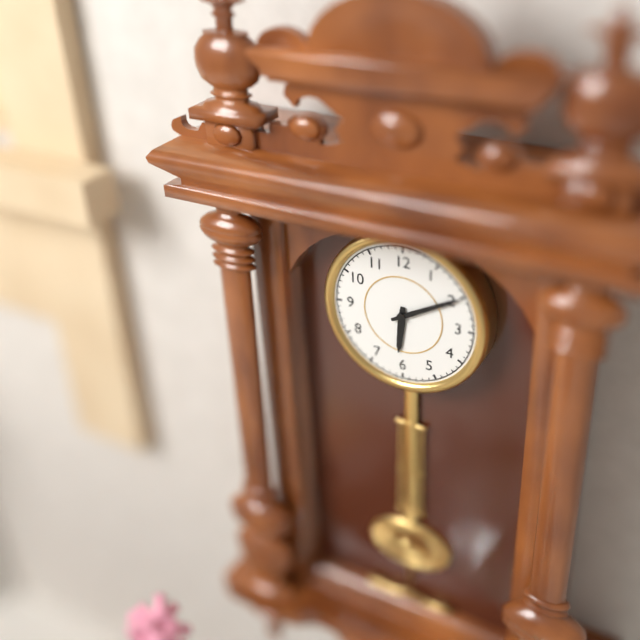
6:10
